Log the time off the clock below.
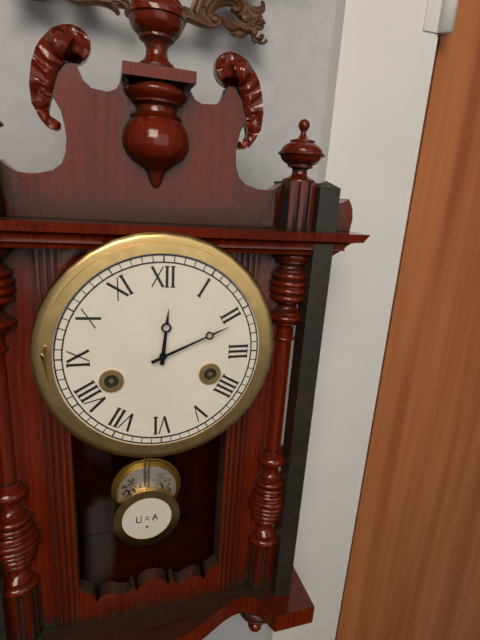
12:11
